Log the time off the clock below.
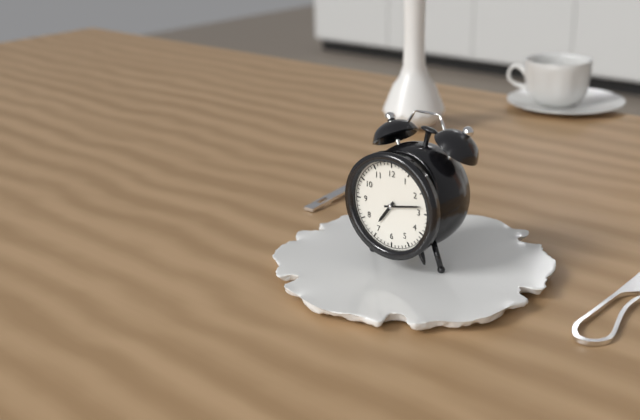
7:13
